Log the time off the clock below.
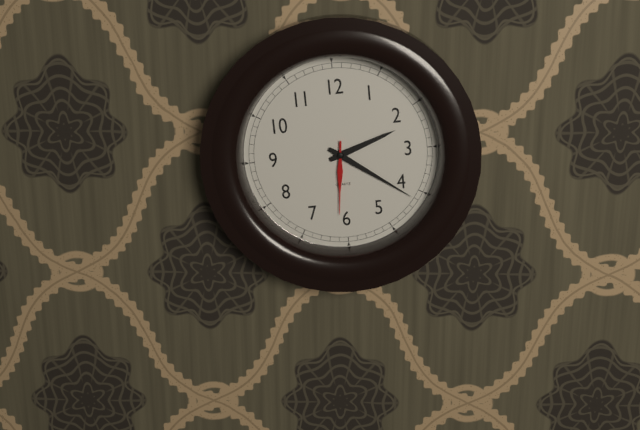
2:21:31
